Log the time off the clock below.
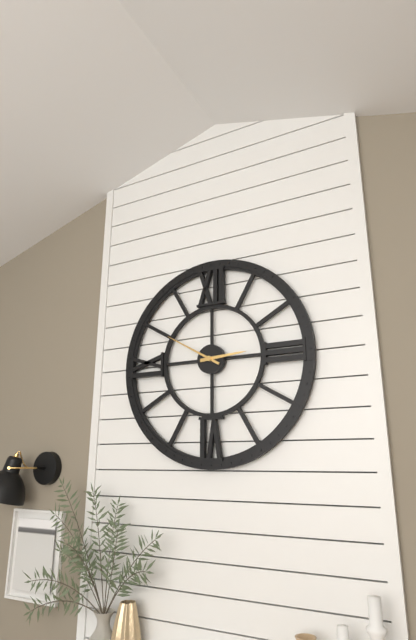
2:50
